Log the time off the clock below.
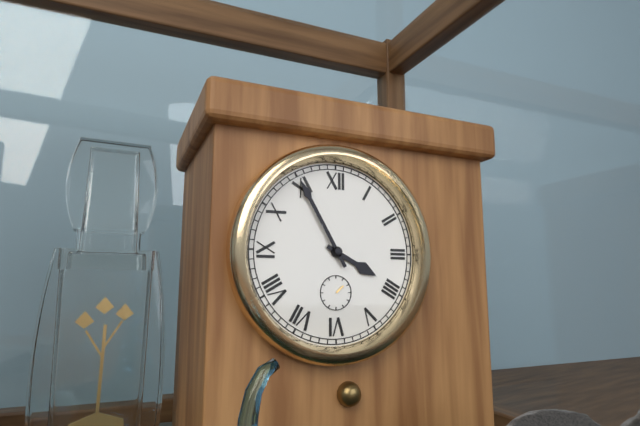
3:55
